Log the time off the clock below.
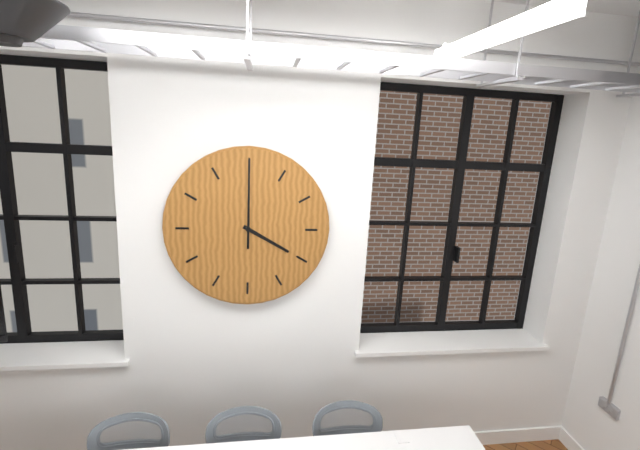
4:00
